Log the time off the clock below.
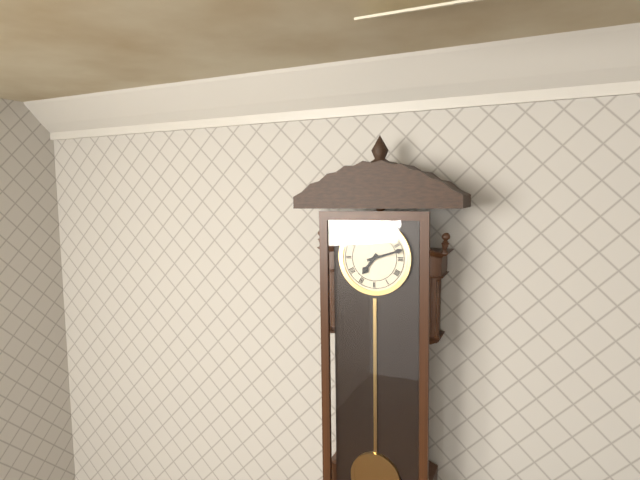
7:12
